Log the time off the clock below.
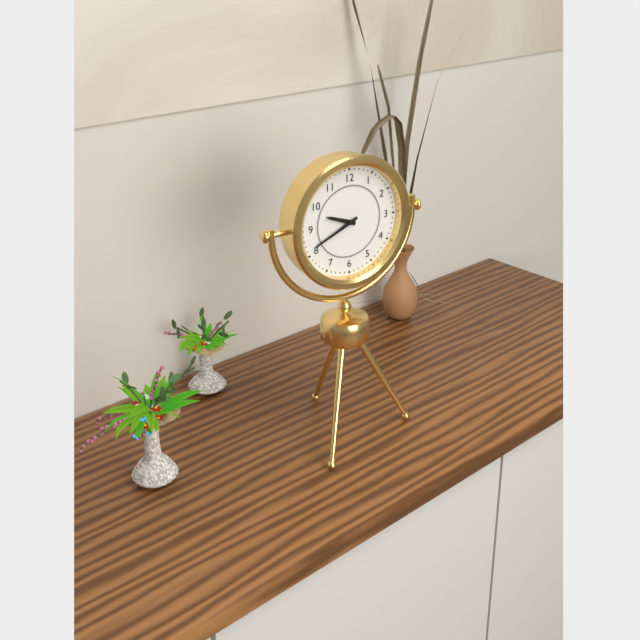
9:41
